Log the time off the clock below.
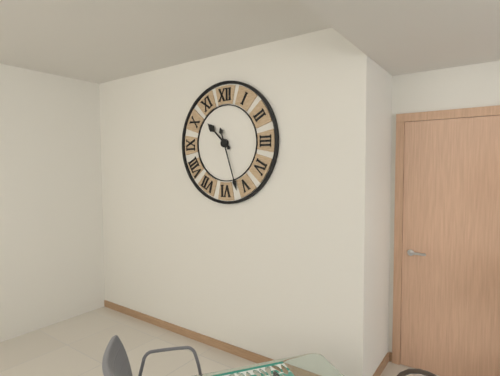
10:27
